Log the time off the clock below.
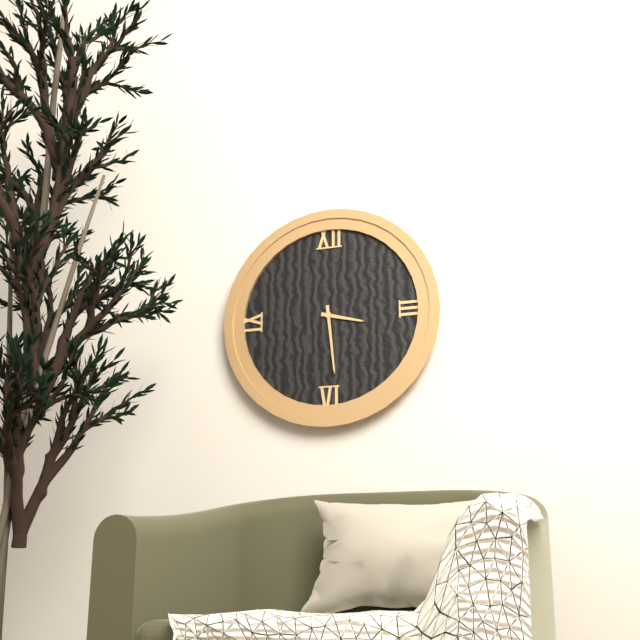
3:29
